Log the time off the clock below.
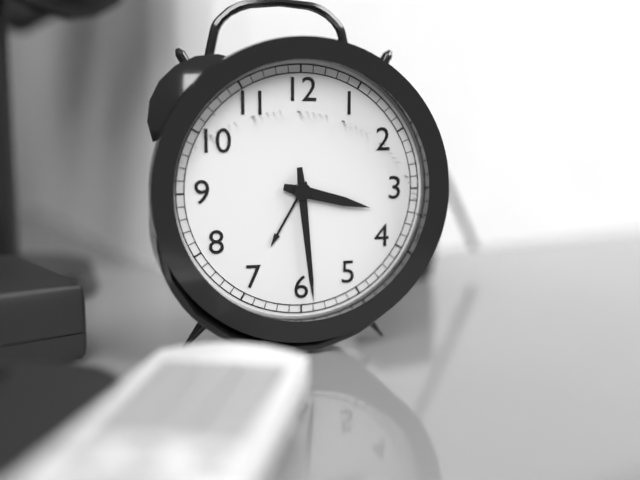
3:29
